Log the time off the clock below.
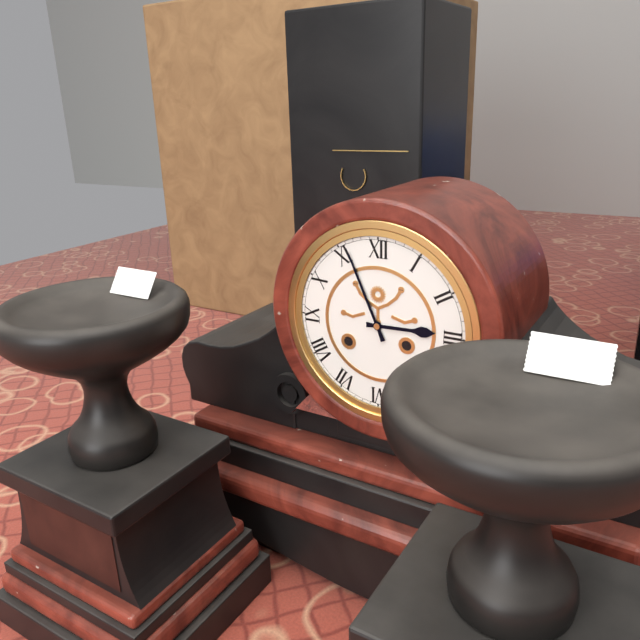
2:56
